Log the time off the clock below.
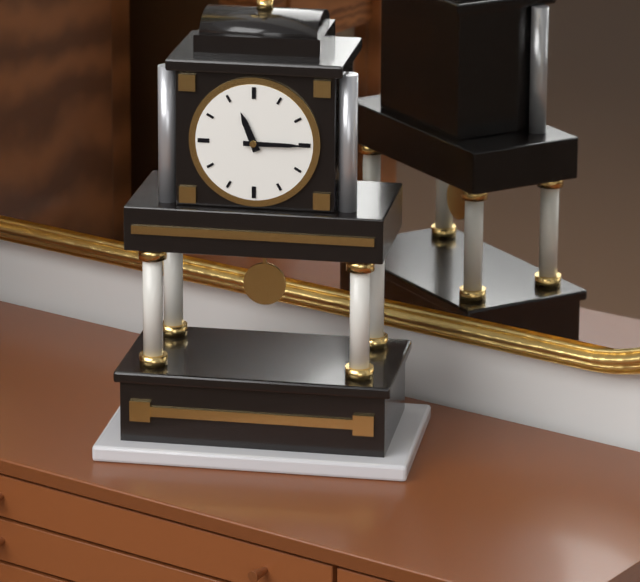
11:15
